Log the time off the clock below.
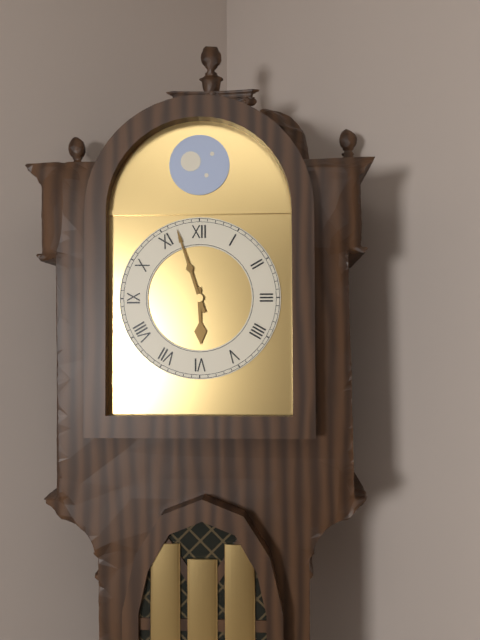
5:57
